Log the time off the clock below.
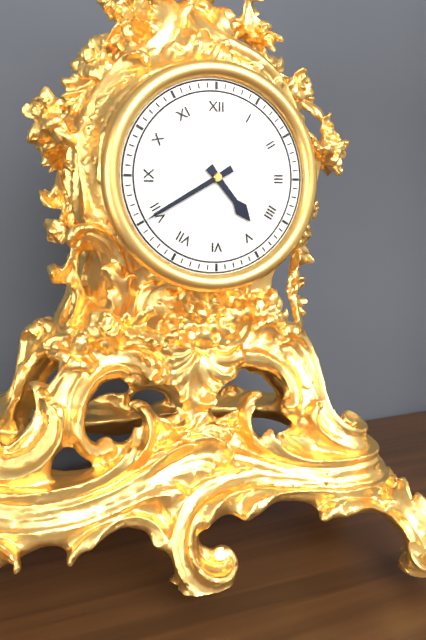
4:40
